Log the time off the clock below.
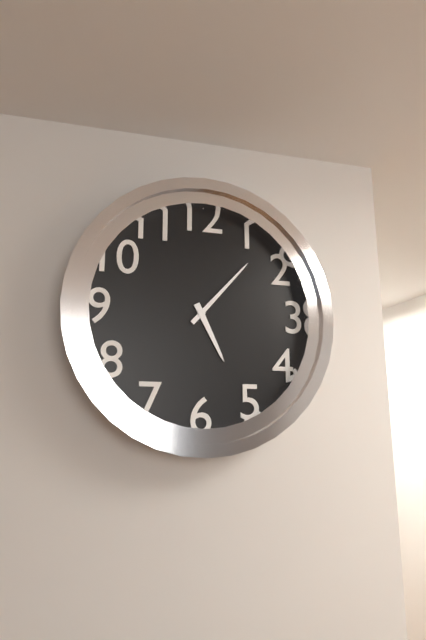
5:07
